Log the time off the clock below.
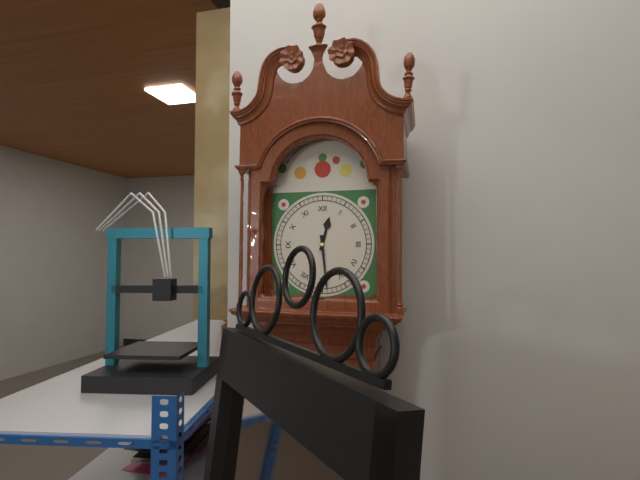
12:29
